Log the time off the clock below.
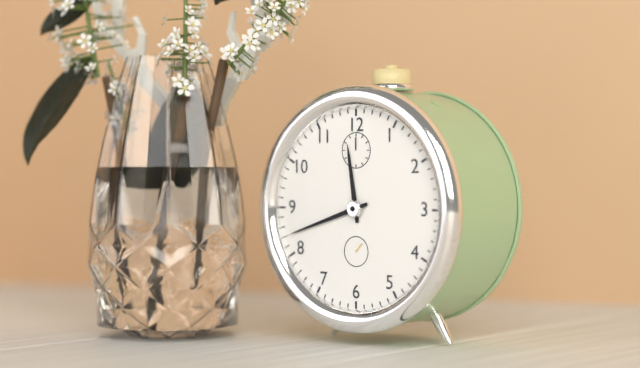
11:42
